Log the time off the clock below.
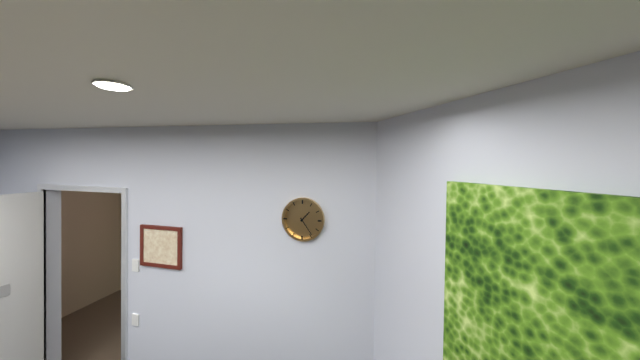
1:24
